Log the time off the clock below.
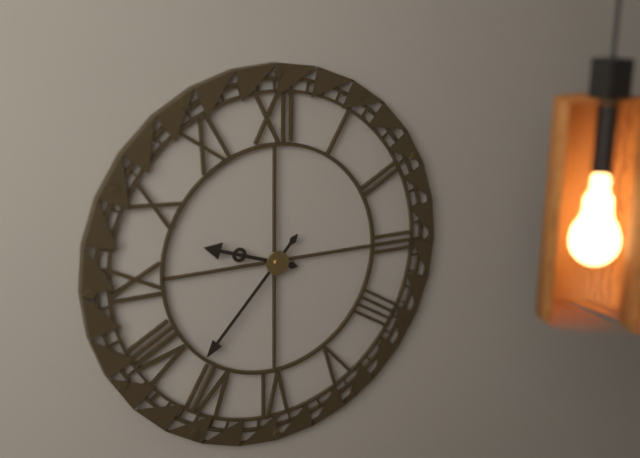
9:37
